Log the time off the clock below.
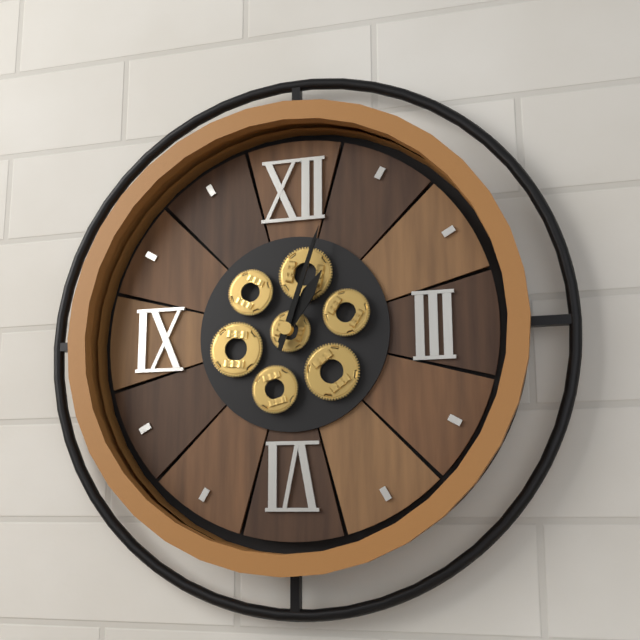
1:03
